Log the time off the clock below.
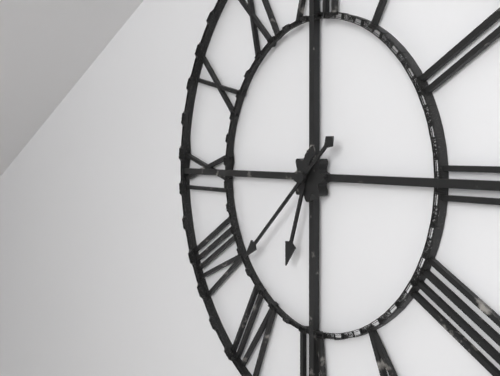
6:38
